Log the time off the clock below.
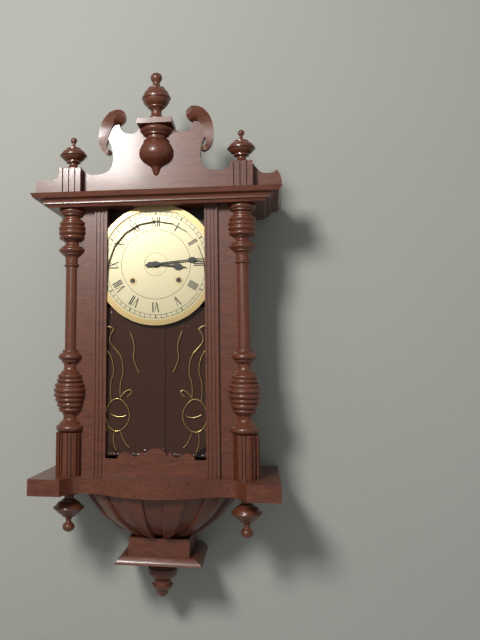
3:14
